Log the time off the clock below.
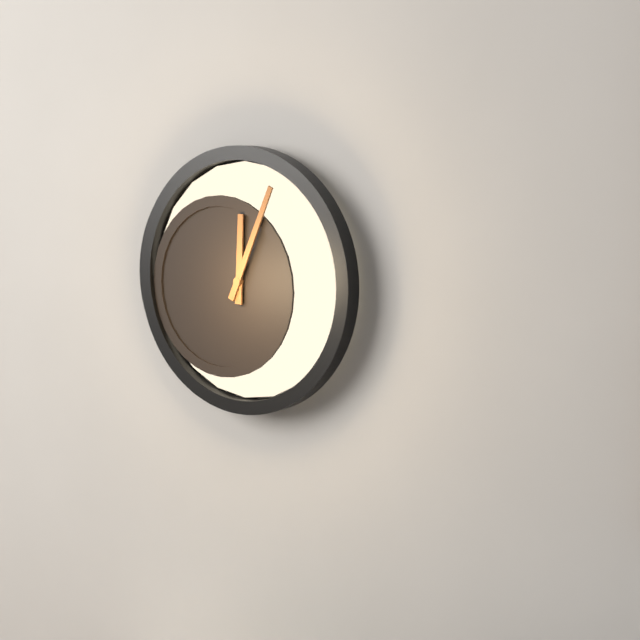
12:04
